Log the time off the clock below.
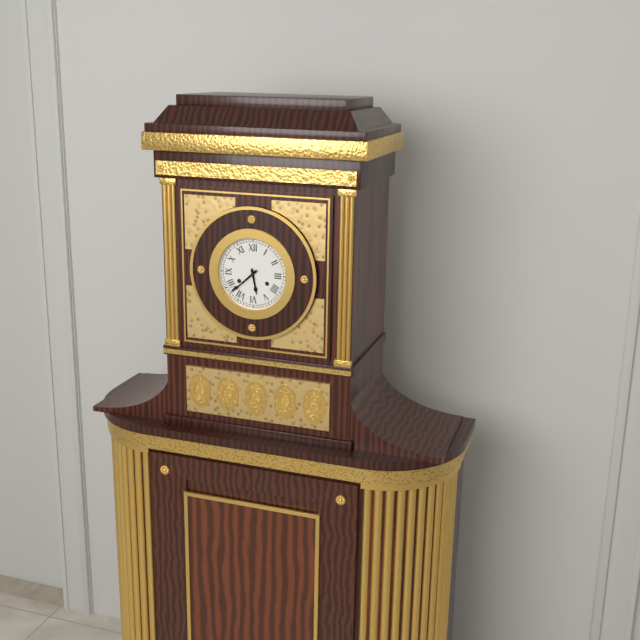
5:38
